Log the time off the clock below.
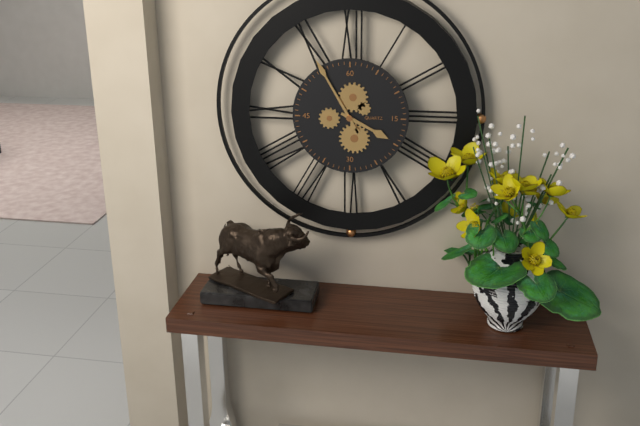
3:55
